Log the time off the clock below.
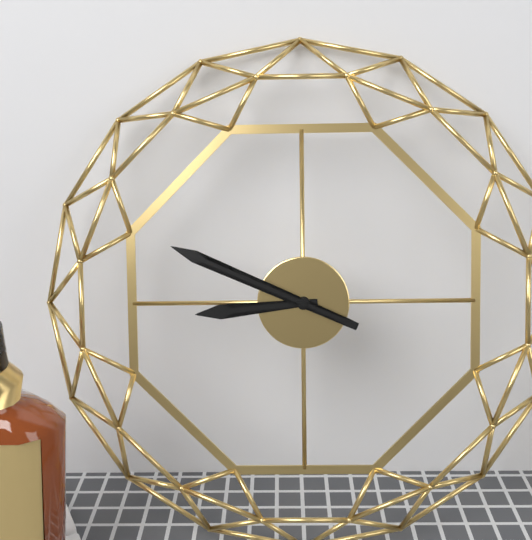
8:49
